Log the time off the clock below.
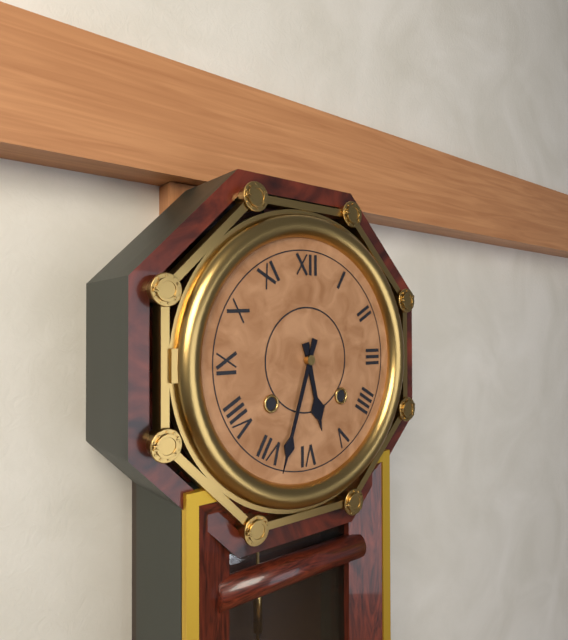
5:33
